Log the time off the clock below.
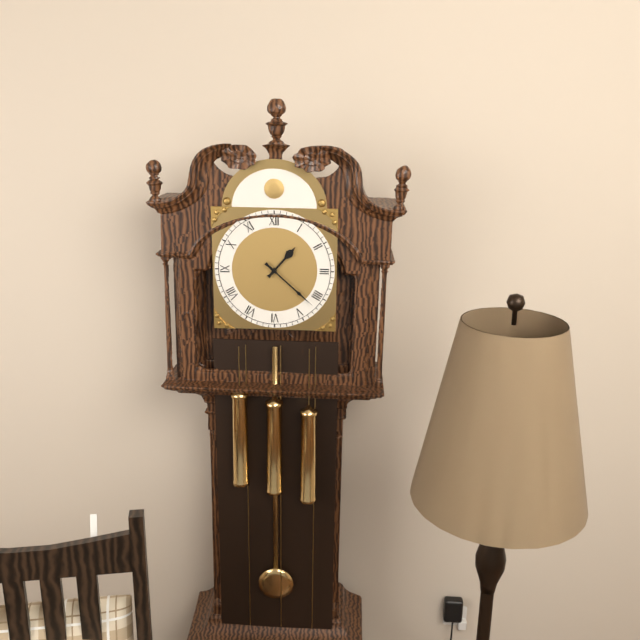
1:22
